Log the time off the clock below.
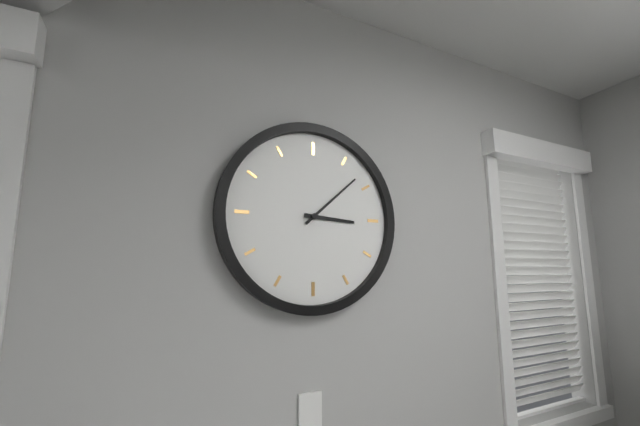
3:08
